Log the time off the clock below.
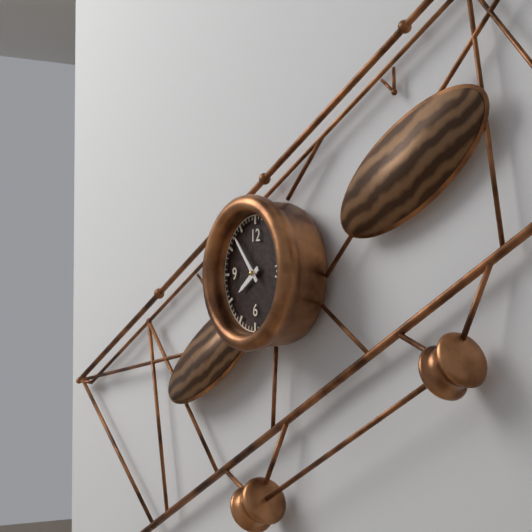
7:53
